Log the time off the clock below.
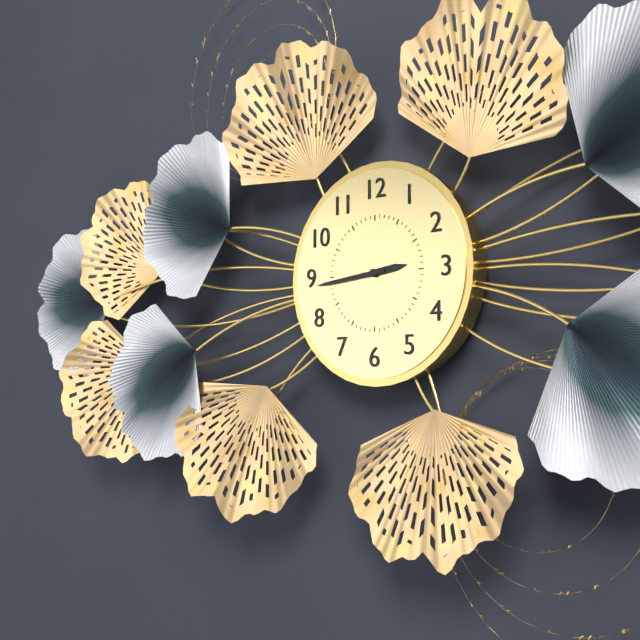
2:44
